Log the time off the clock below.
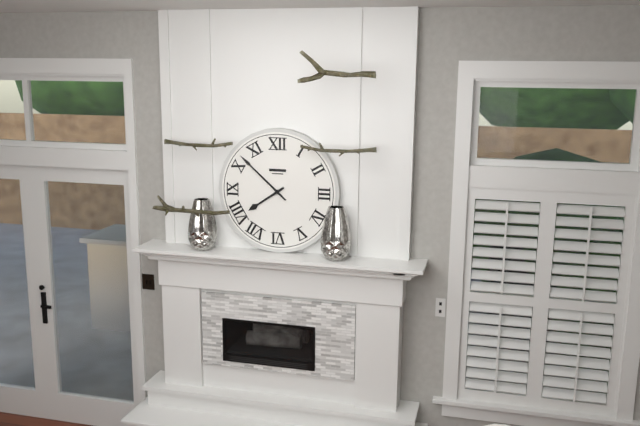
7:52
